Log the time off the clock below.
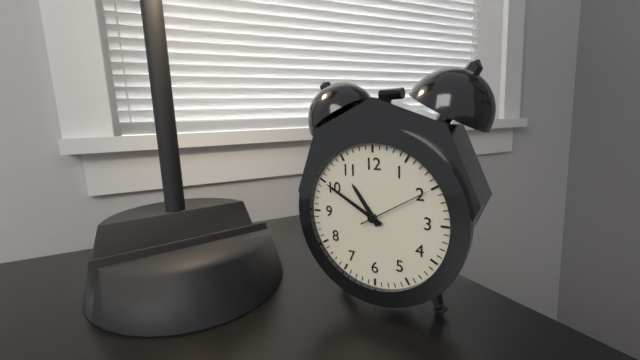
10:50:10
